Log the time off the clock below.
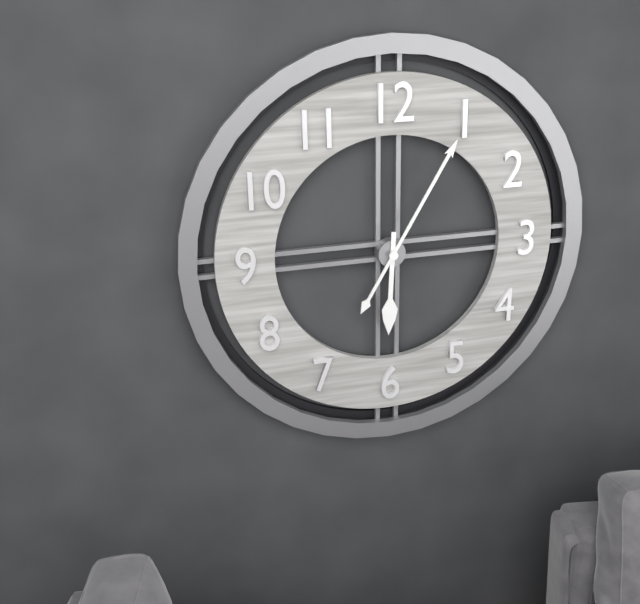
6:05
